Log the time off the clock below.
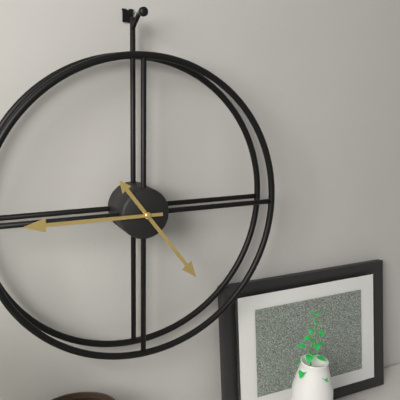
4:45
